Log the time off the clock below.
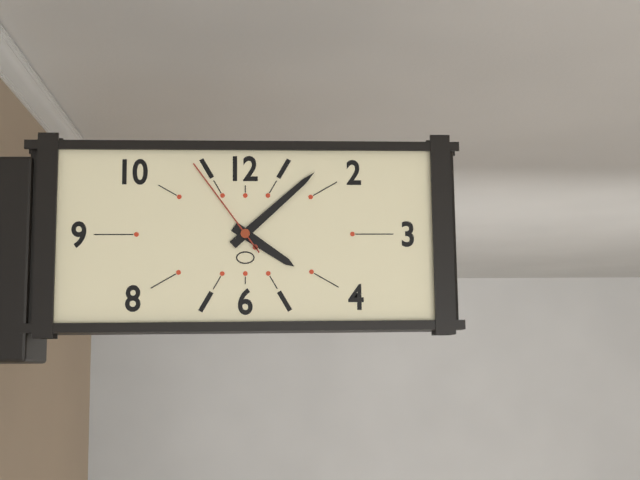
4:08:54
